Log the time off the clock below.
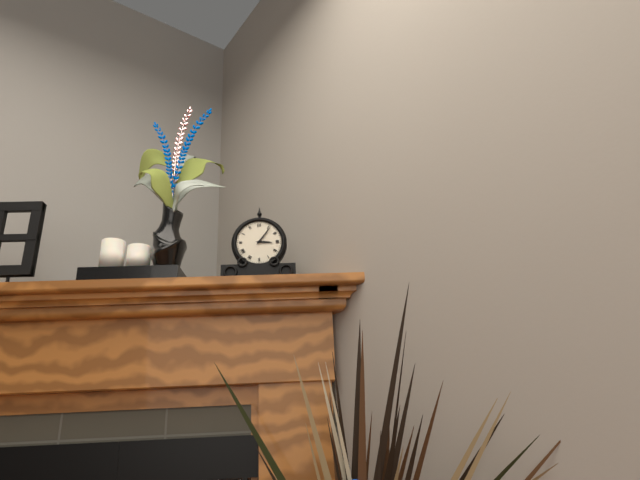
3:06
